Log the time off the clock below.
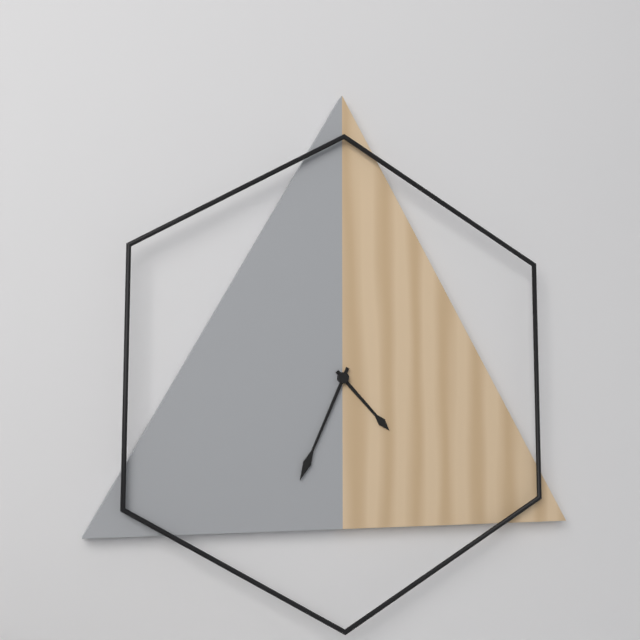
4:34
